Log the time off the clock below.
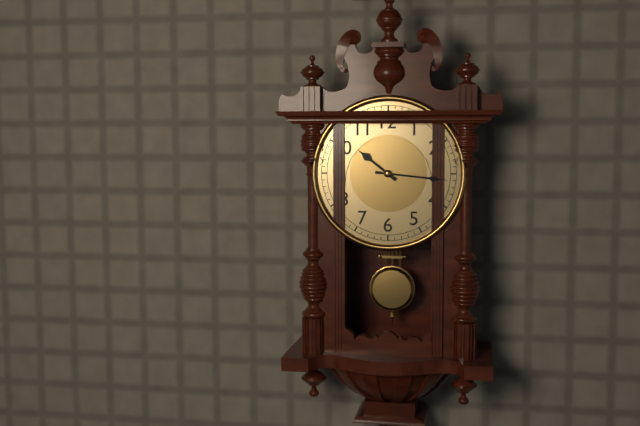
10:16
